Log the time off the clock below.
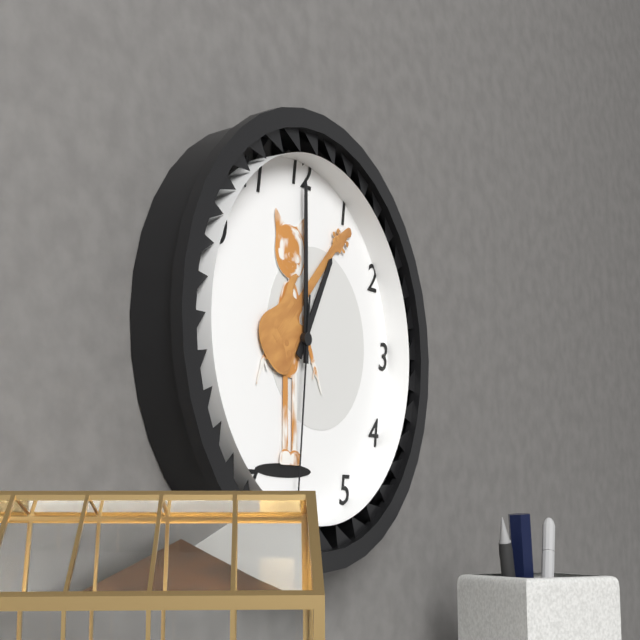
1:00:31
